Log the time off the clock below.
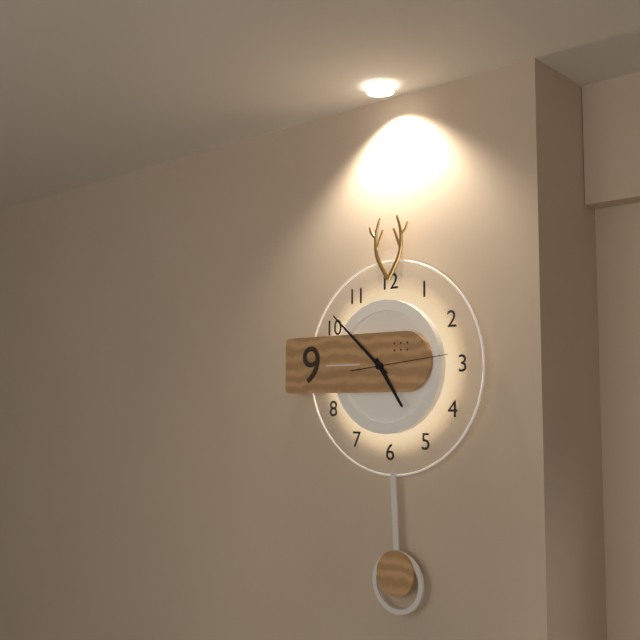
4:52:14
